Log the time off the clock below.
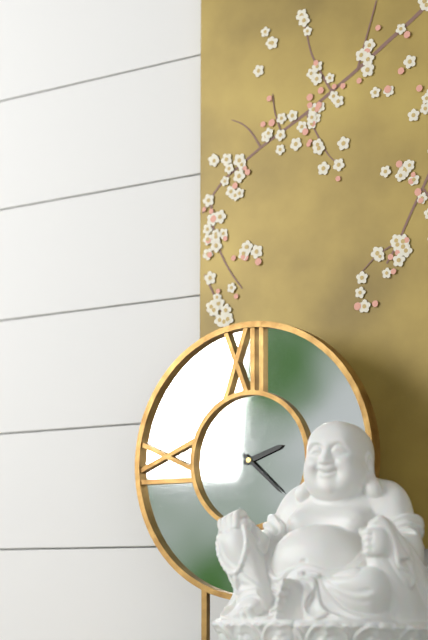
2:22
